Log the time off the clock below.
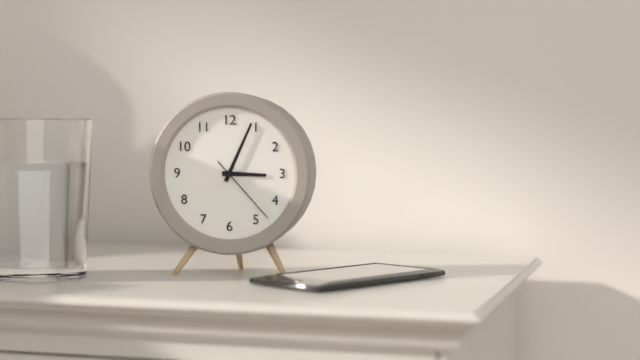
3:04:23
